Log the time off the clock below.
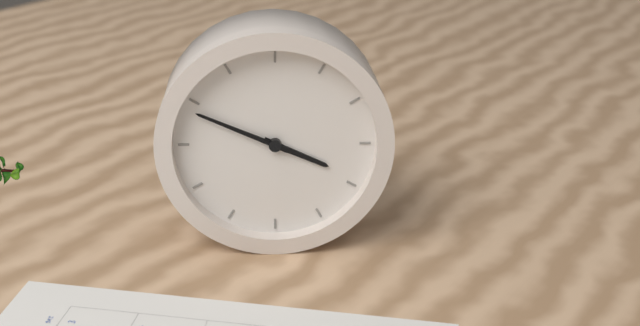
3:49
